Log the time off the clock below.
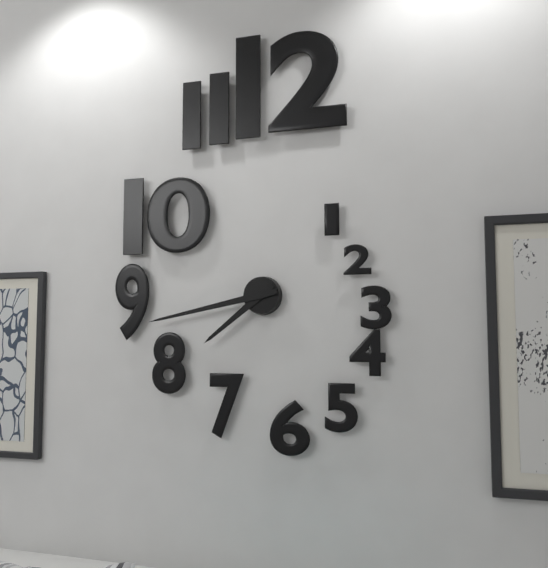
7:43
